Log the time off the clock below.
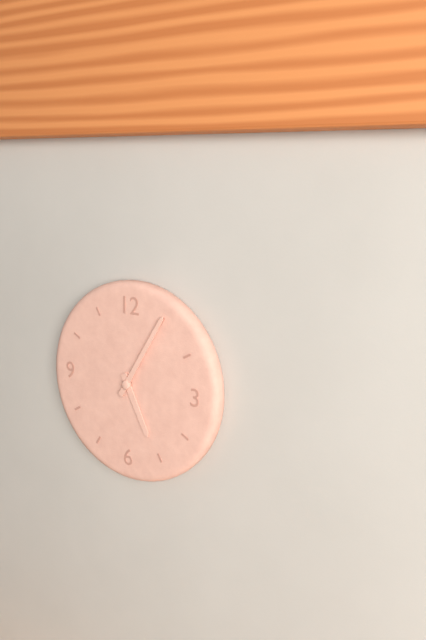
5:05
